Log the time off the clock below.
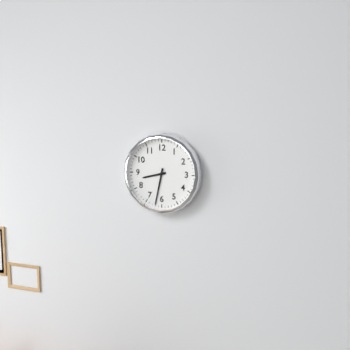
8:32
